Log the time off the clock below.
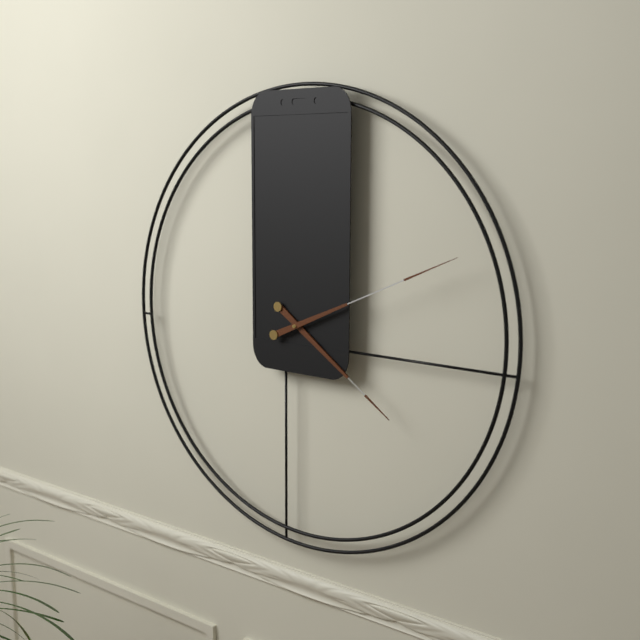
4:11
